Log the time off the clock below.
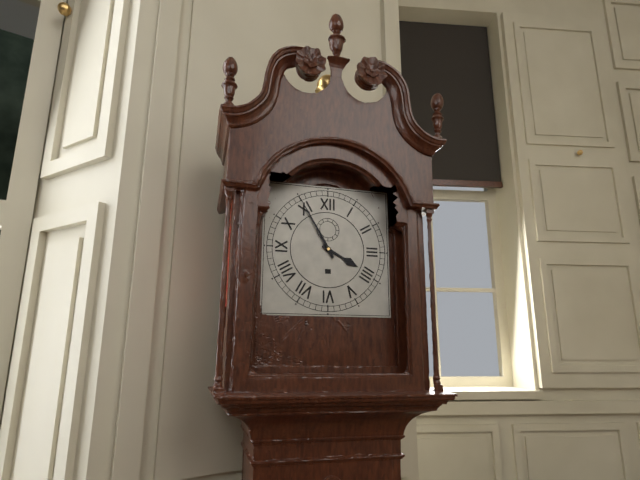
3:55
